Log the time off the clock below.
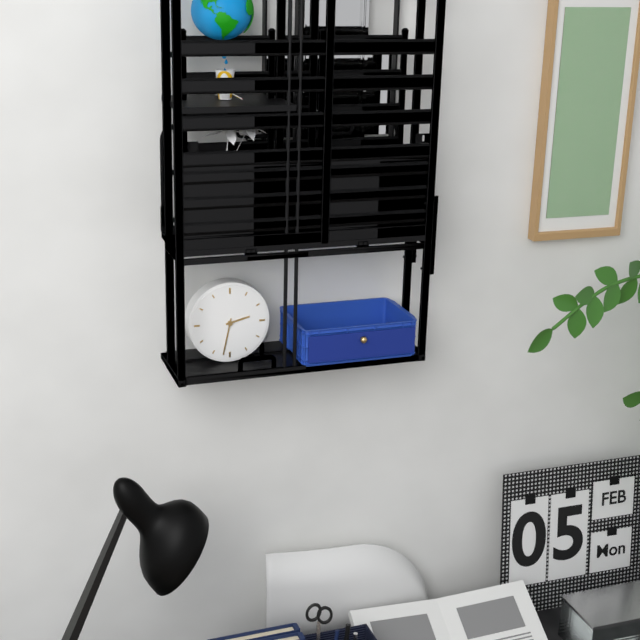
2:32
